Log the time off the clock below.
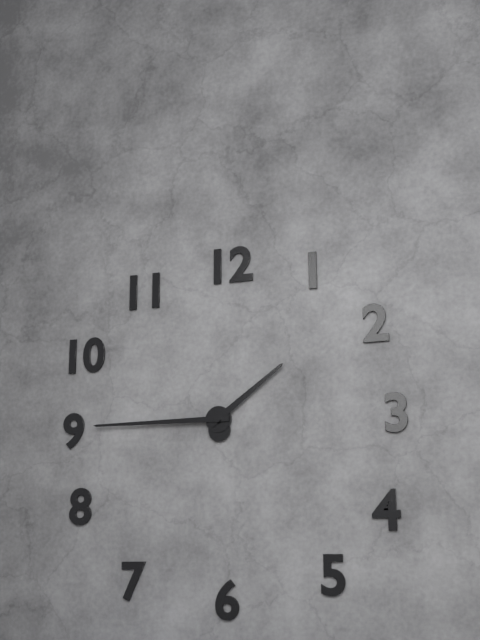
1:45
